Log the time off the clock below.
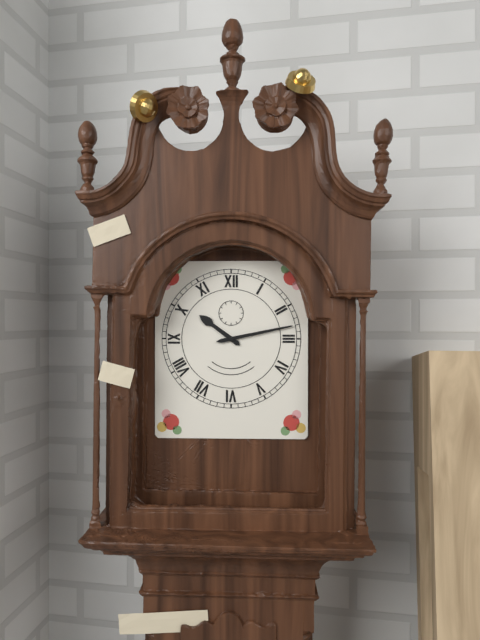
10:13
